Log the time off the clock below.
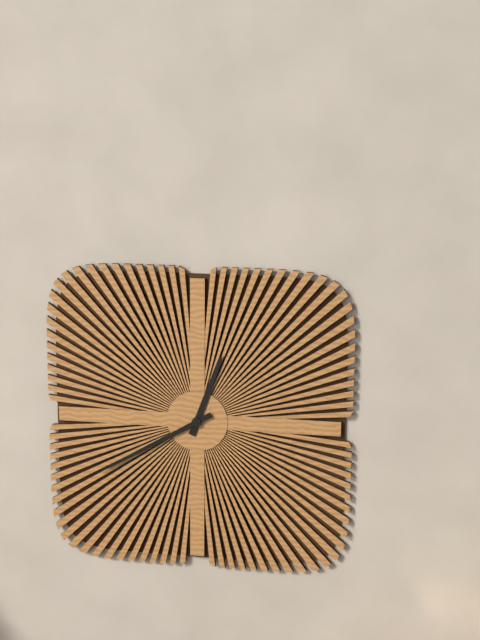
12:40
